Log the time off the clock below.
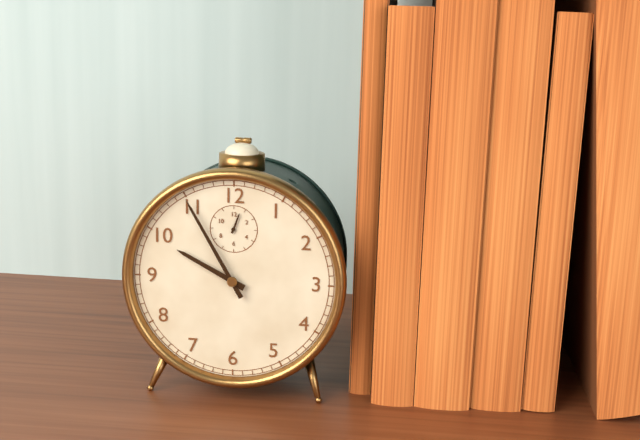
9:55
